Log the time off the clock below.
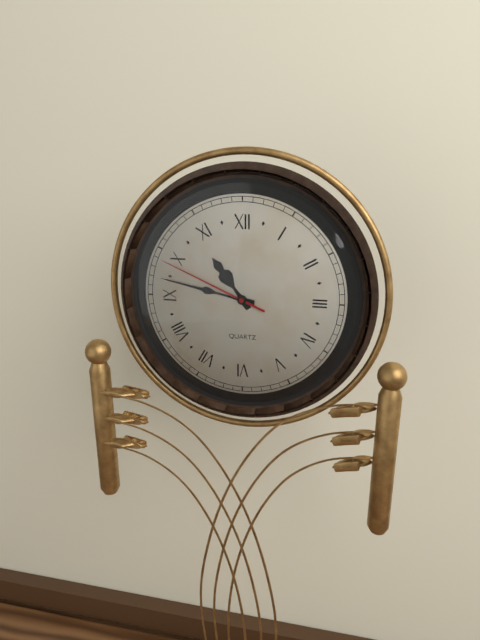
10:47:49
